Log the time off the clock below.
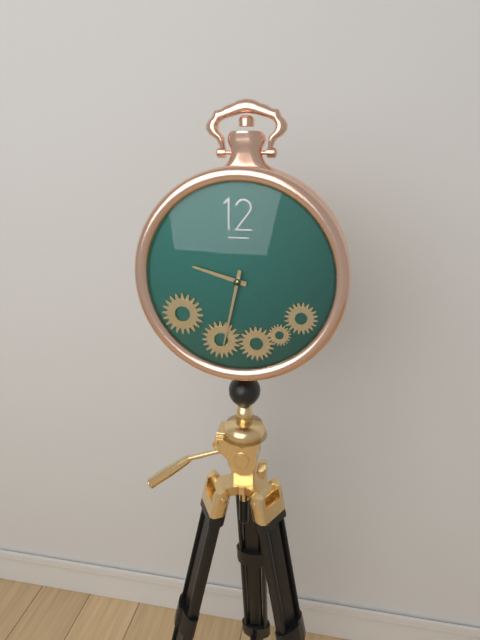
9:32
